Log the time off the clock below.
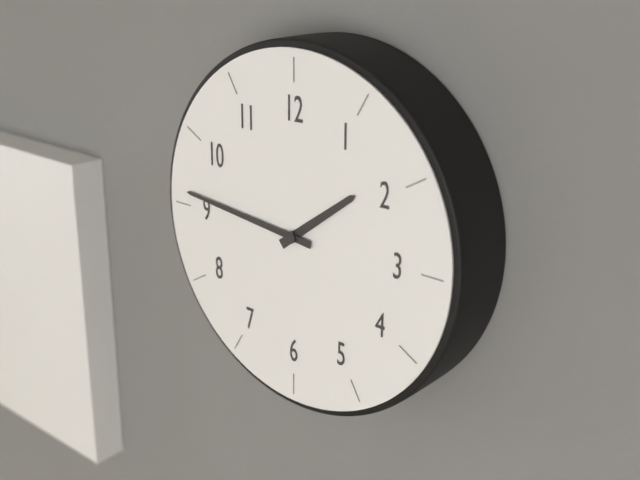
1:46
